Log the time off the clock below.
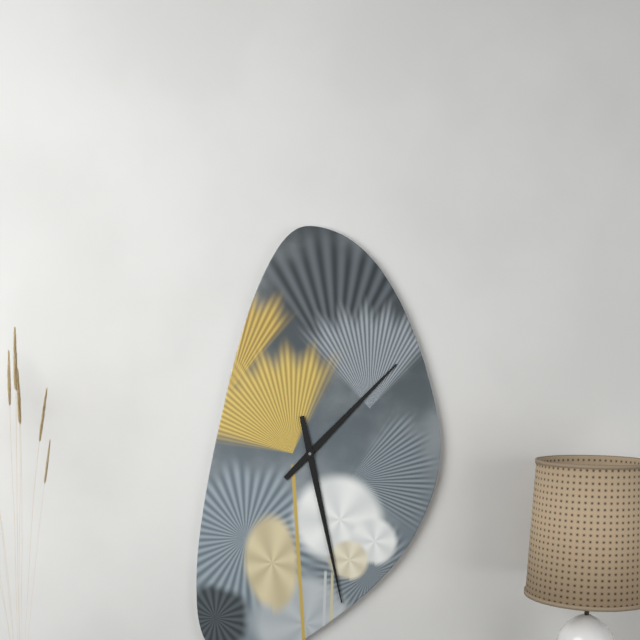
1:28
